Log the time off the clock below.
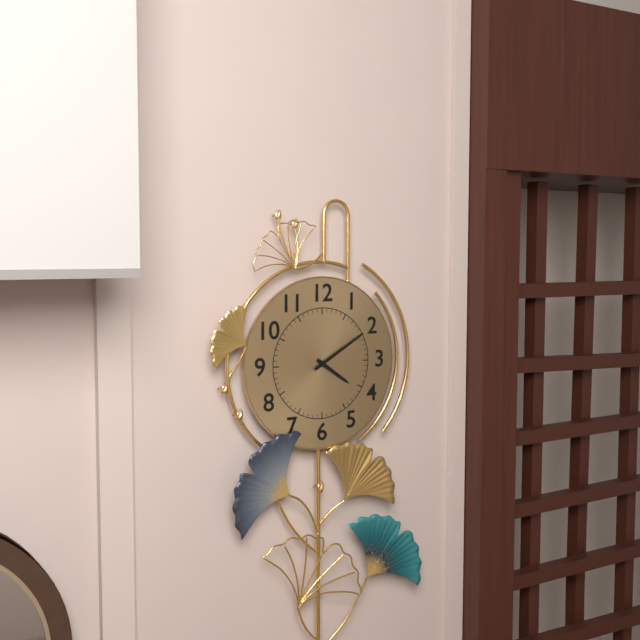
4:10
